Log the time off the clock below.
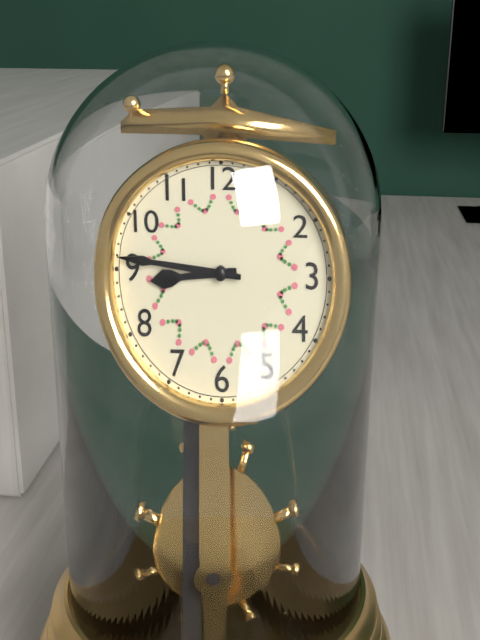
8:46
